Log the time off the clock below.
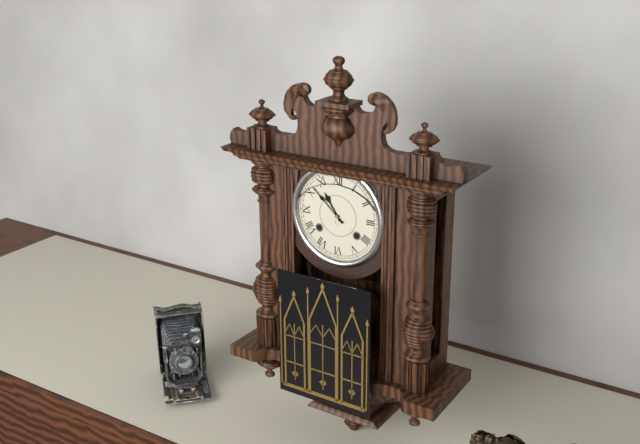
10:52
